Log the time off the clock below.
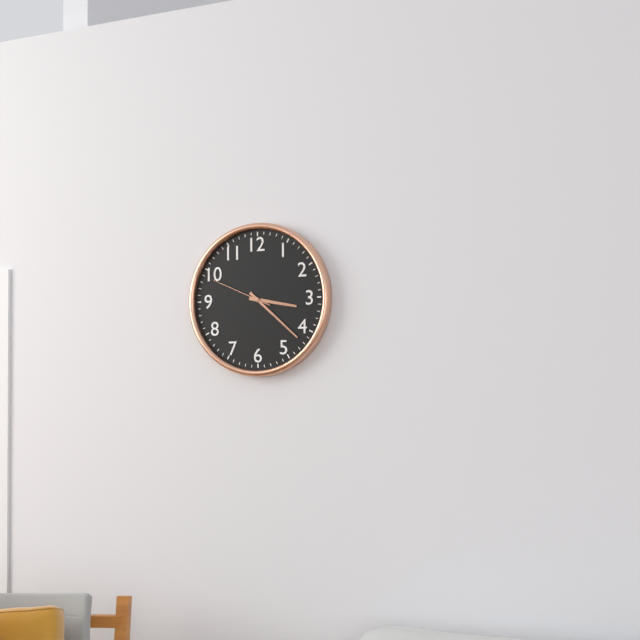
3:22:49
